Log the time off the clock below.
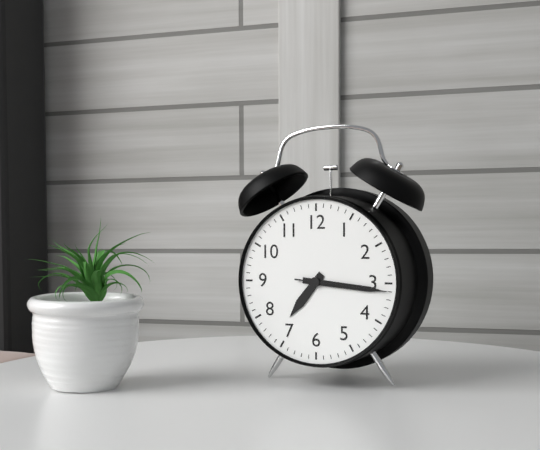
7:16:16
